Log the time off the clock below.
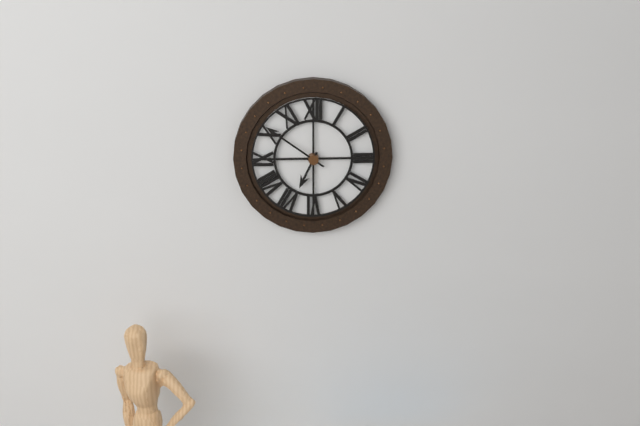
6:51
